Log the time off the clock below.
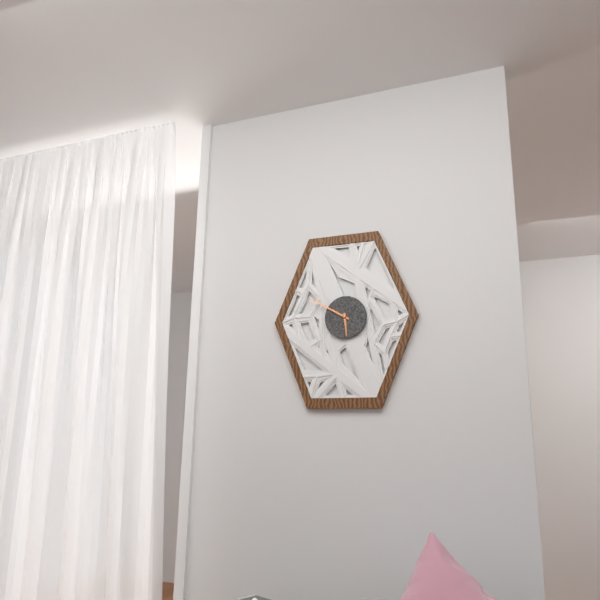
5:50
